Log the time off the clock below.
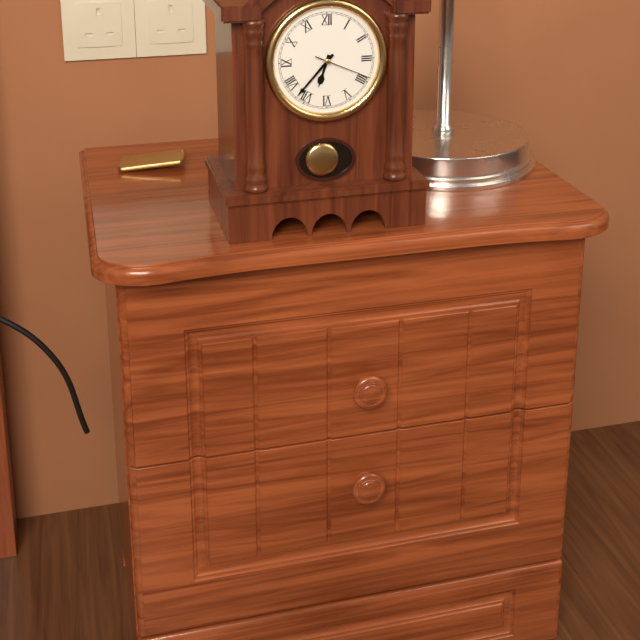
6:37:19
